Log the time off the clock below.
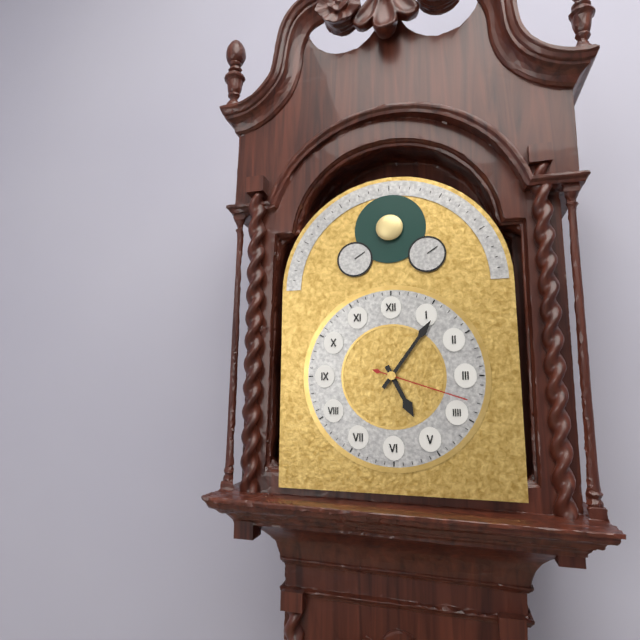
5:06:18
